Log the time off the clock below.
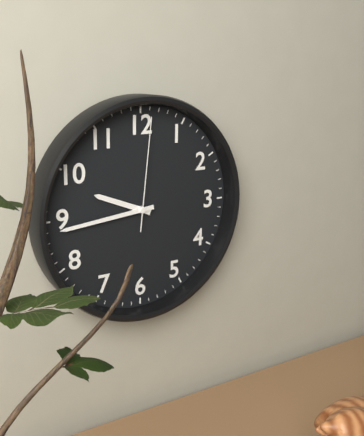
9:44:01
